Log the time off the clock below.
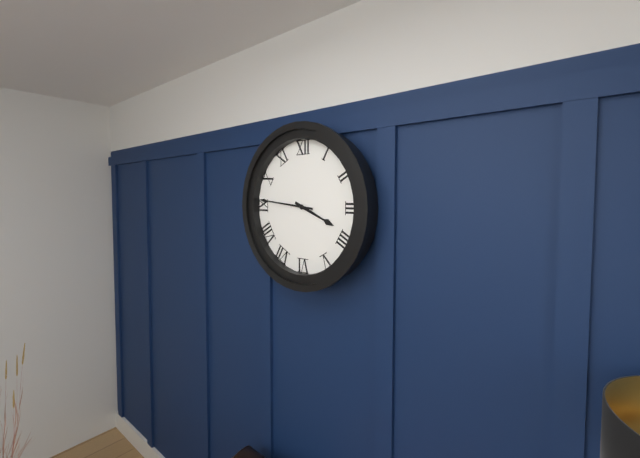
3:46
